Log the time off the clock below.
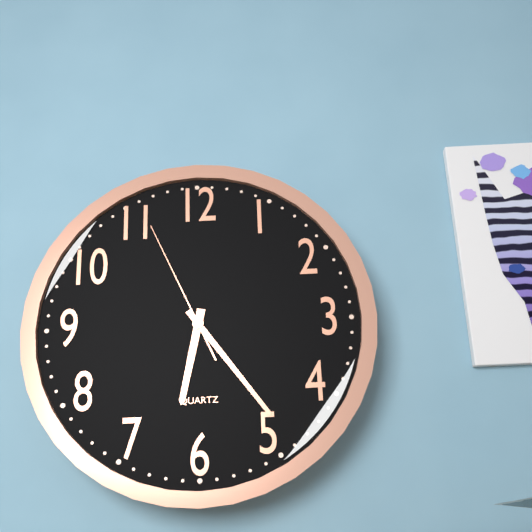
6:24:56
